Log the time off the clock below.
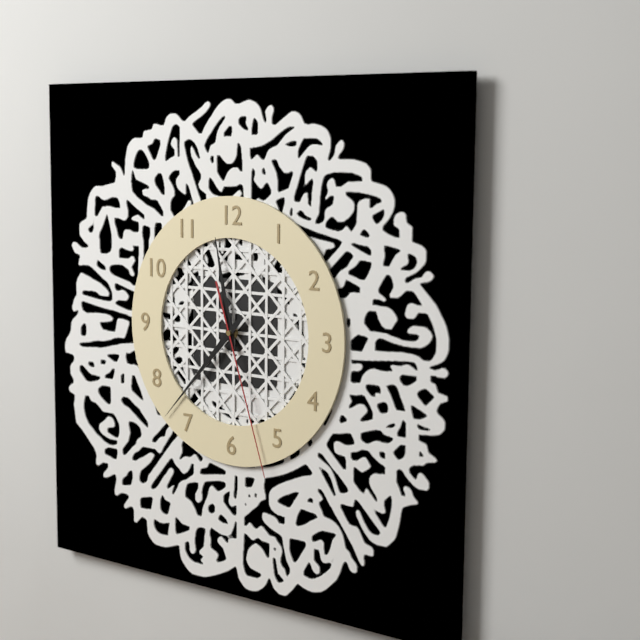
11:37:27
